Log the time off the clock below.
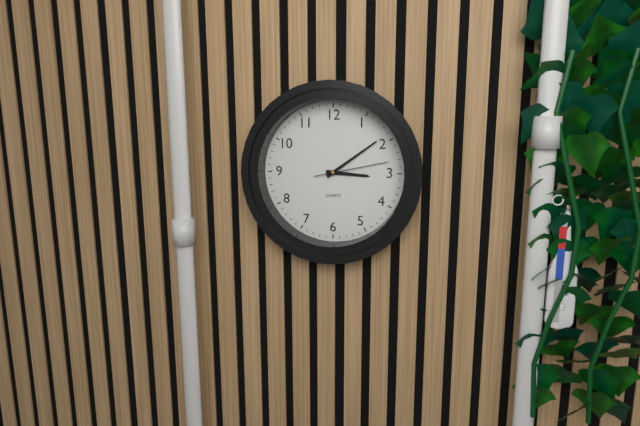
3:09:13
